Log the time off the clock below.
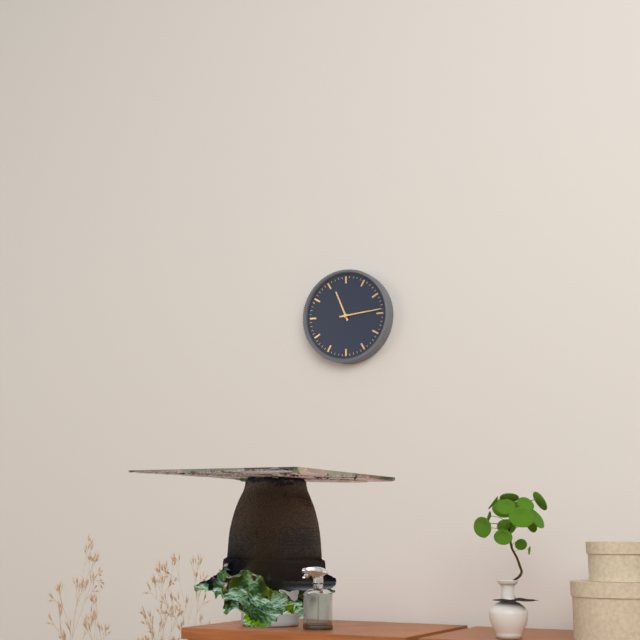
11:14
